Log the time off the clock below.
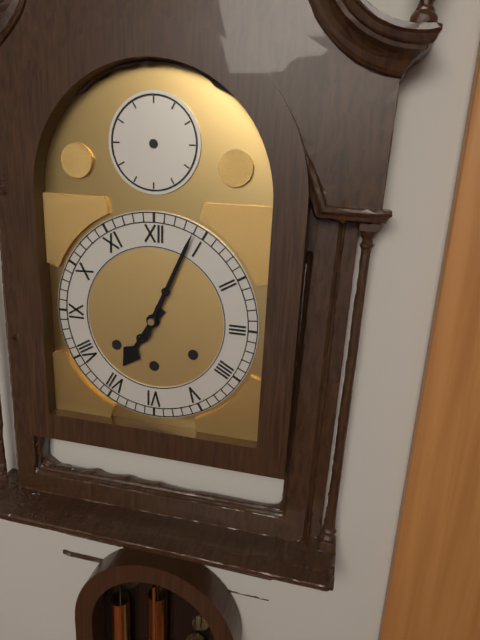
7:04
